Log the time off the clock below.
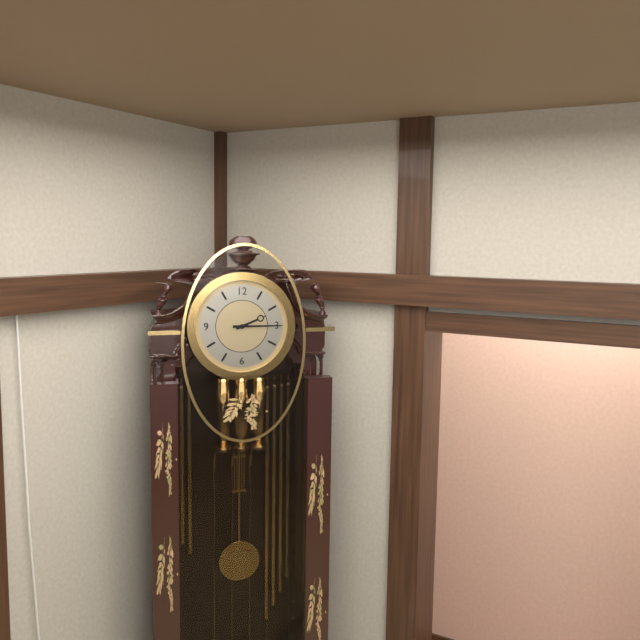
2:15
